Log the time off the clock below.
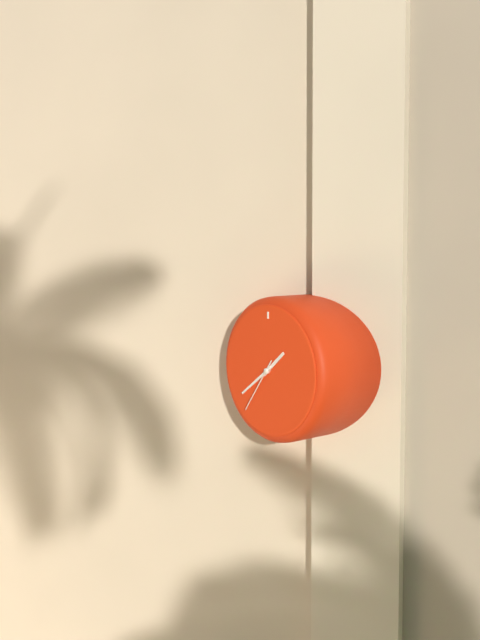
1:39:36
